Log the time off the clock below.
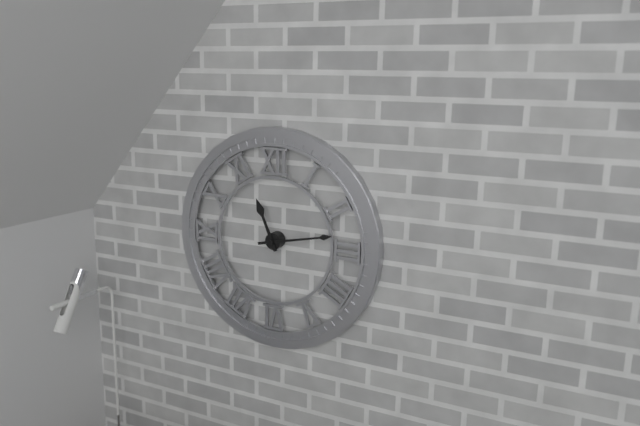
11:13
